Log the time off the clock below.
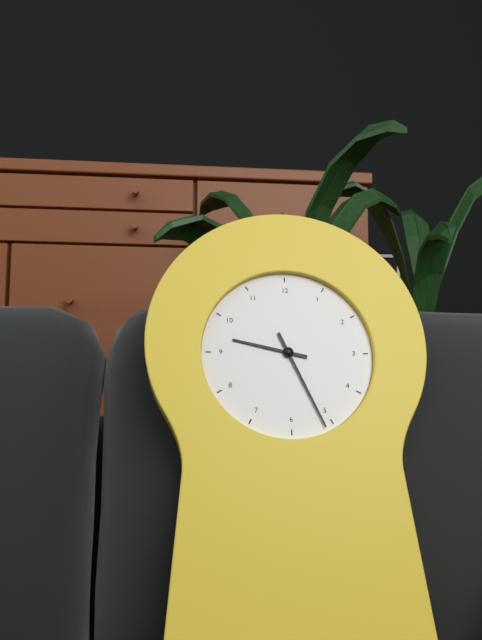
9:26
